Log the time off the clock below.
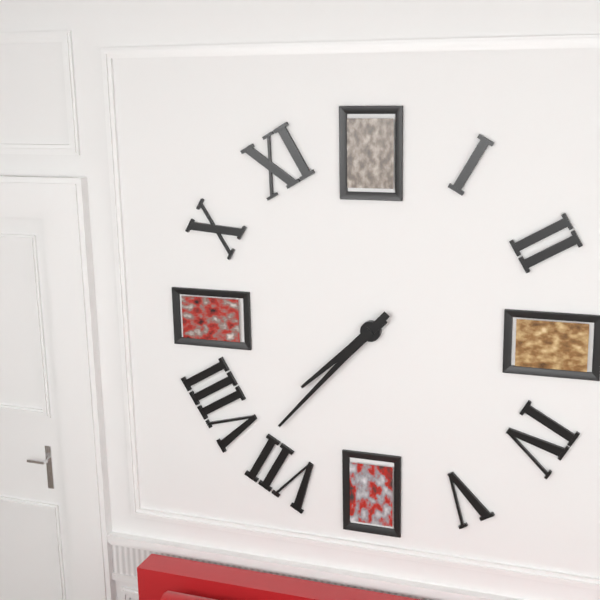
7:37
